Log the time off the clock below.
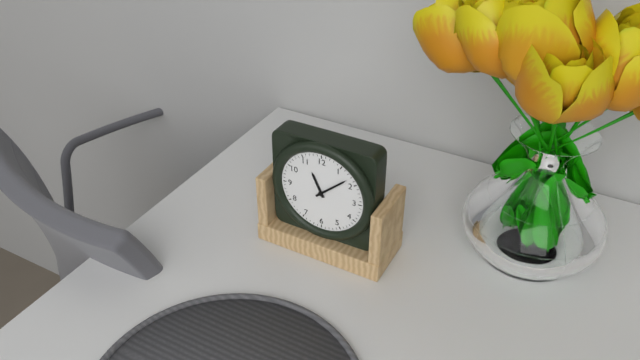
11:08
